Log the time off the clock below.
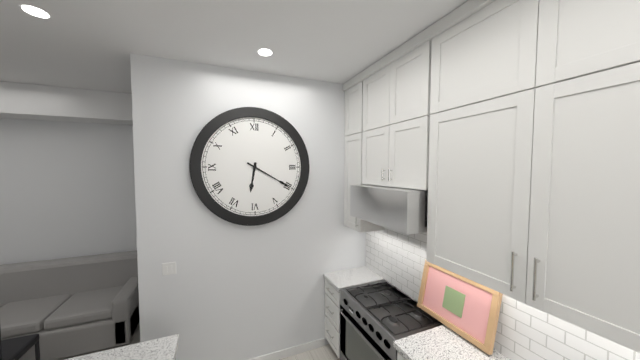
6:20
